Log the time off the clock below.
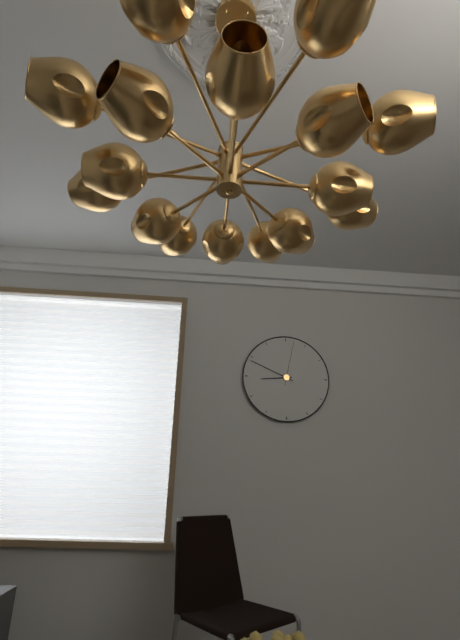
8:49
